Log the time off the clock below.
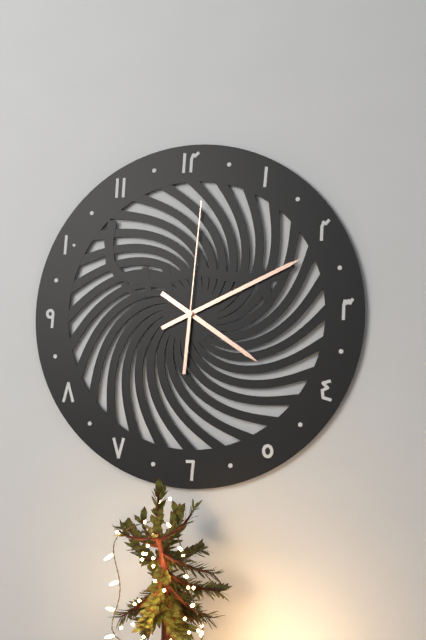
4:11:01
